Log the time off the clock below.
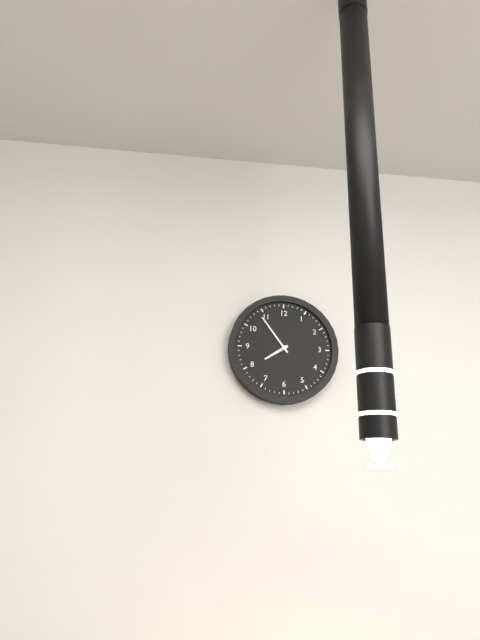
7:54
